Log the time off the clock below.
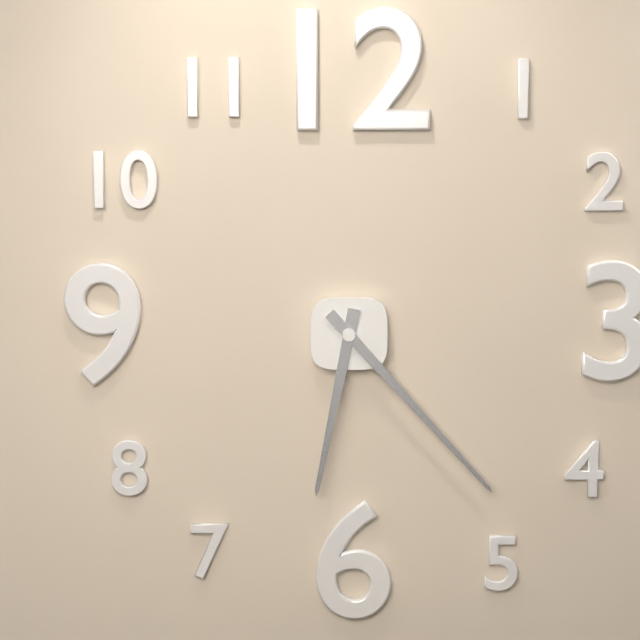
6:23
